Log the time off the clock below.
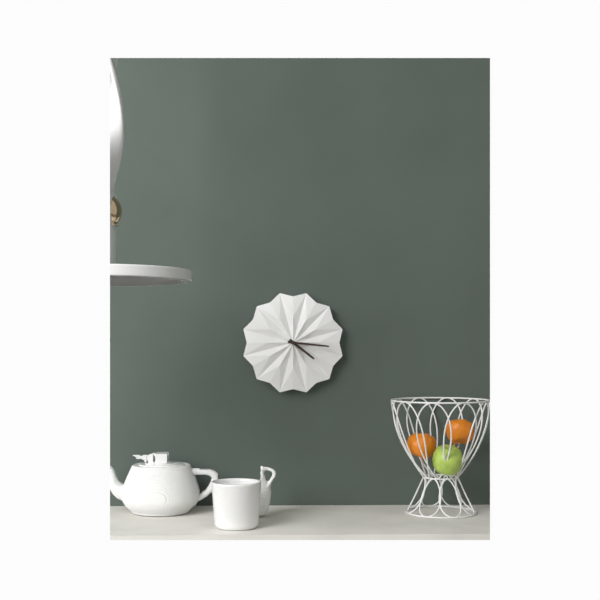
4:16
